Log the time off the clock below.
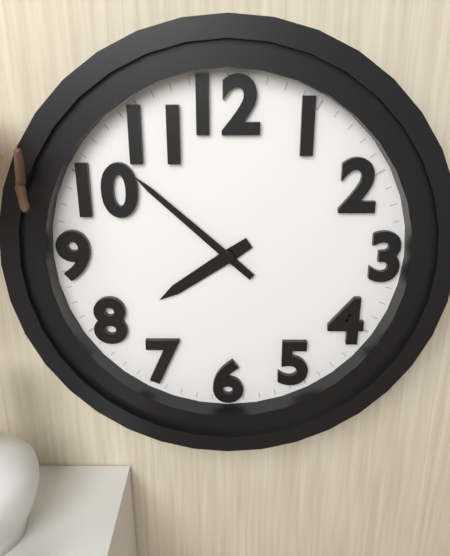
7:52
